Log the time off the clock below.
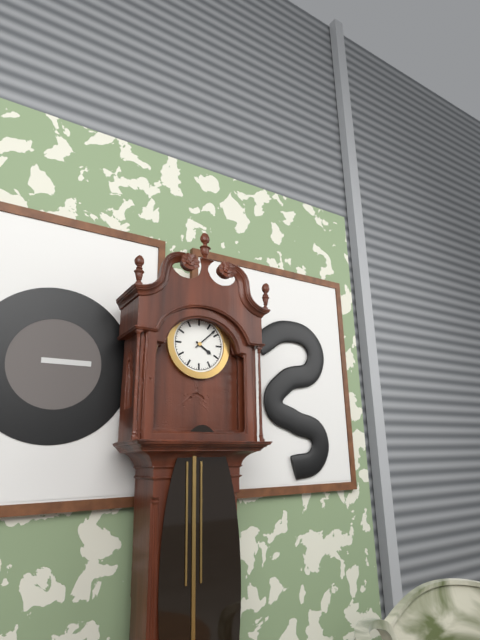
4:08
